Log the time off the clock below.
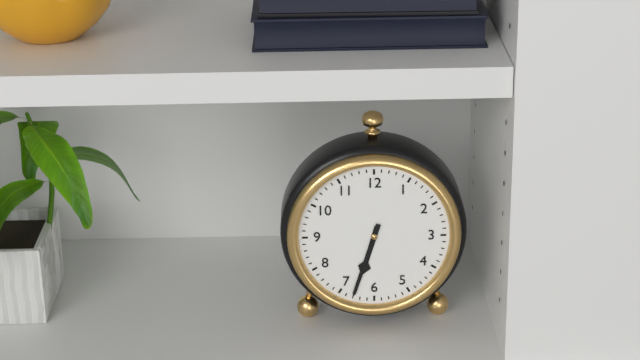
6:33
